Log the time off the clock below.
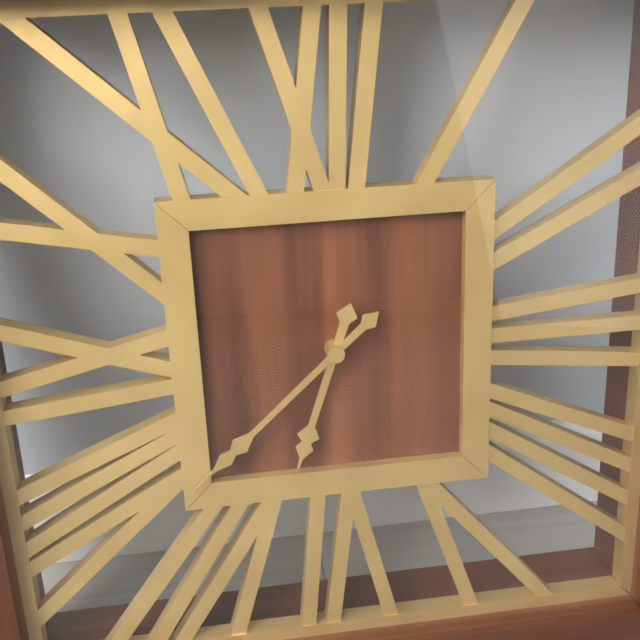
6:38
